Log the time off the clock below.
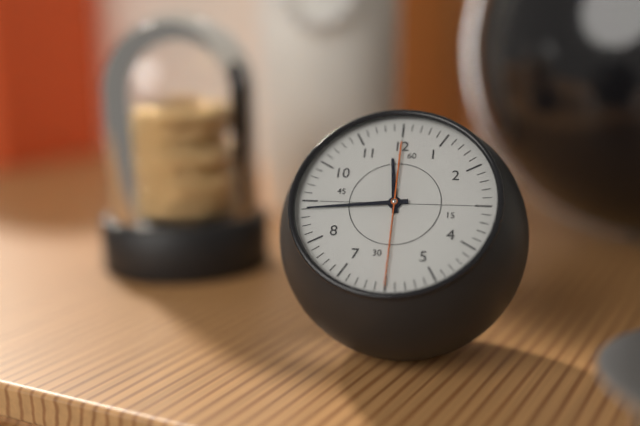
11:44:30
